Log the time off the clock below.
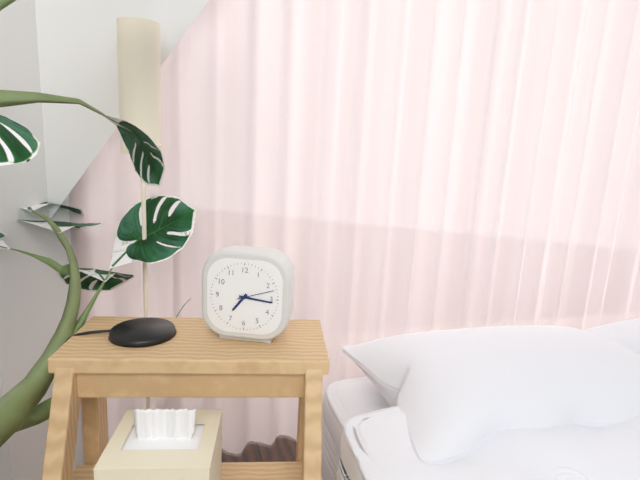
7:16
